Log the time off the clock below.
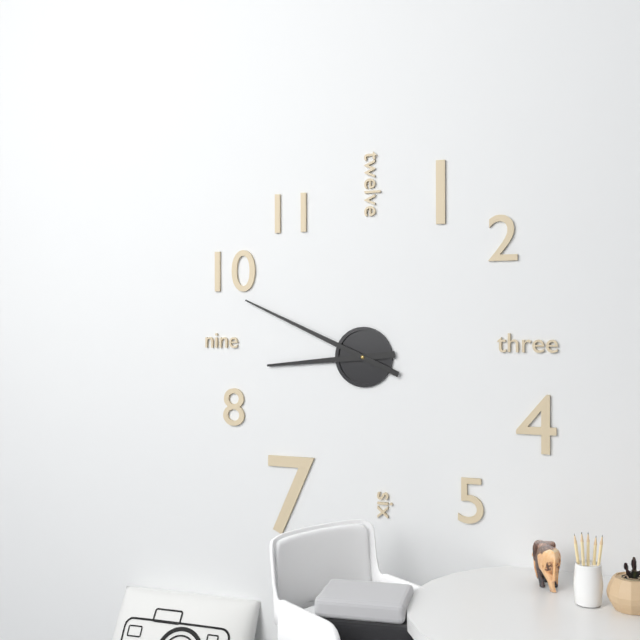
8:49
